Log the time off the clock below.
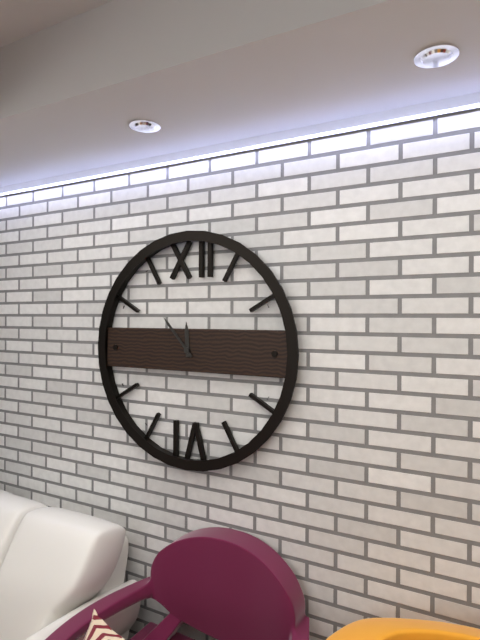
11:53
